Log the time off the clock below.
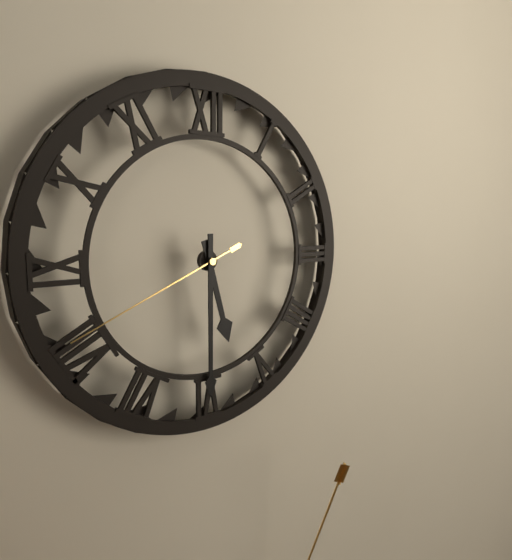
5:30:41
